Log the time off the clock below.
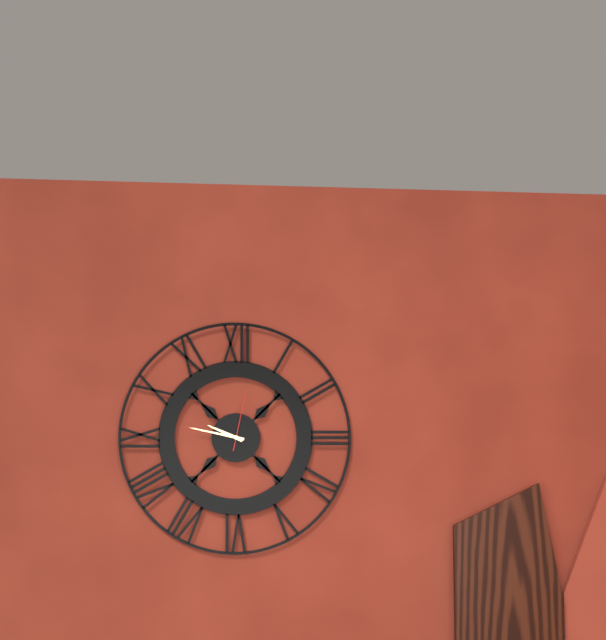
9:47:02
